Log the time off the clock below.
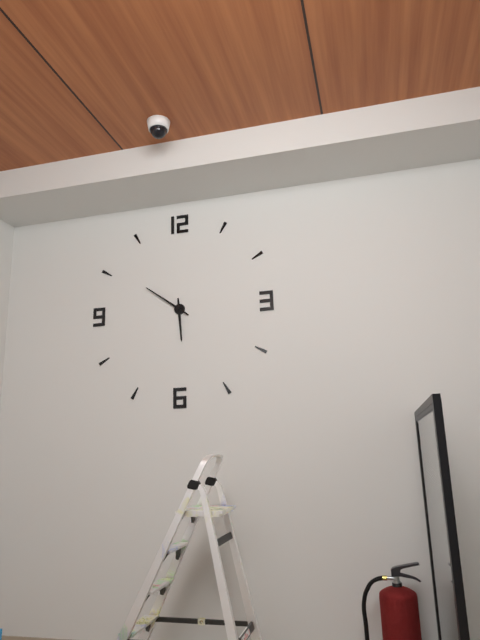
5:51
